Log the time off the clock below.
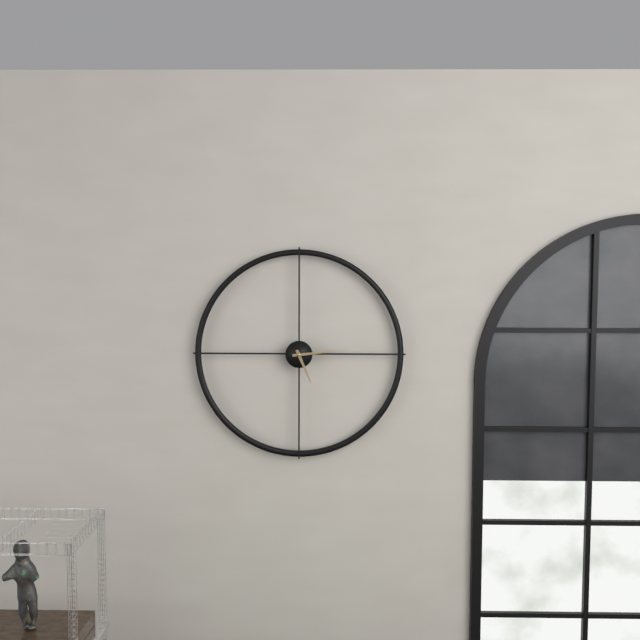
5:14
